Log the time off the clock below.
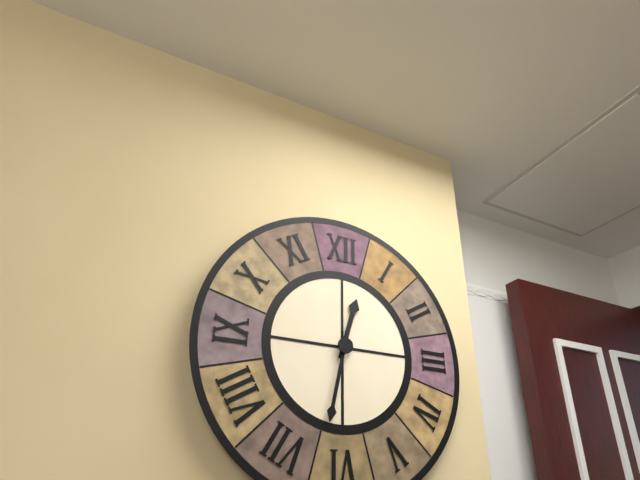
12:32
